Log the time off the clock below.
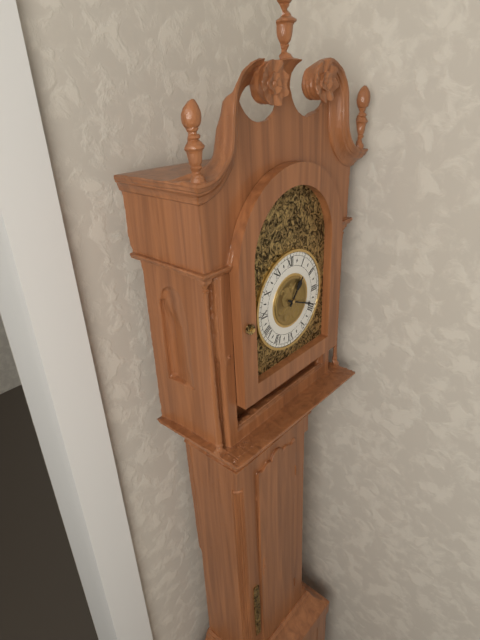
1:19
